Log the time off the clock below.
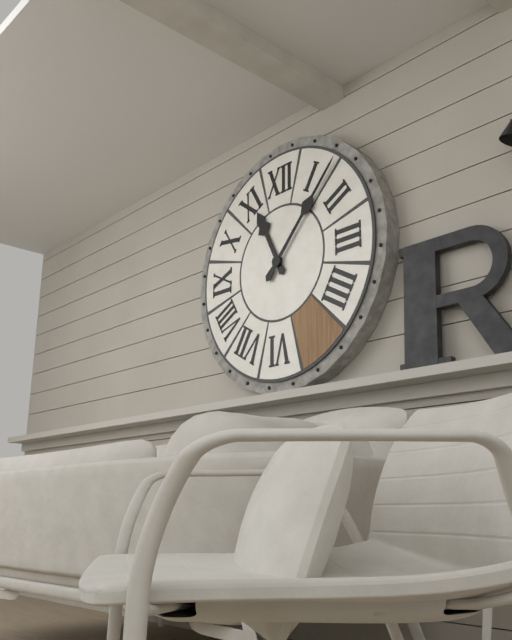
11:07
